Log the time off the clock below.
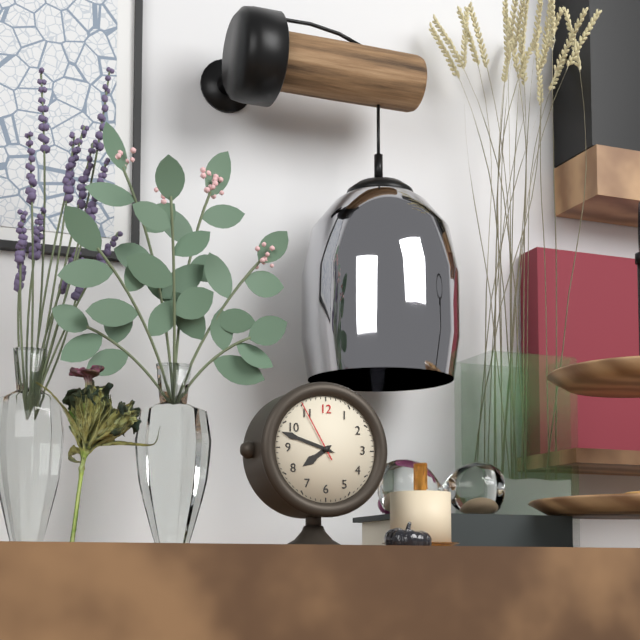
7:48:55
